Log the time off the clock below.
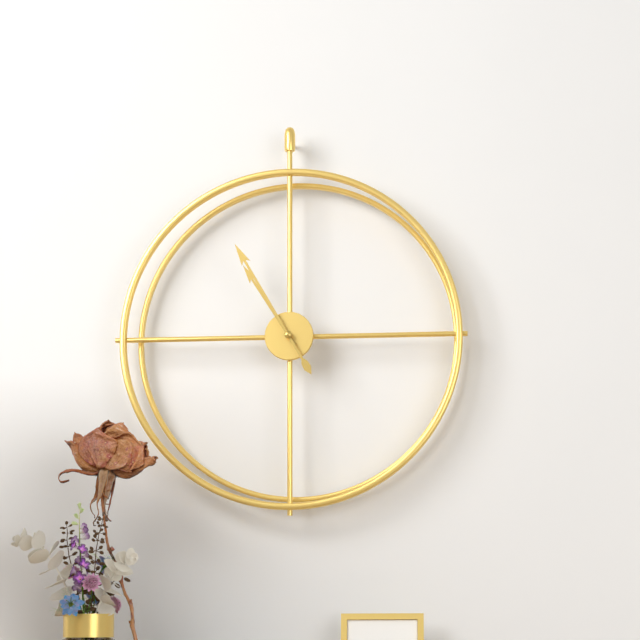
10:55
